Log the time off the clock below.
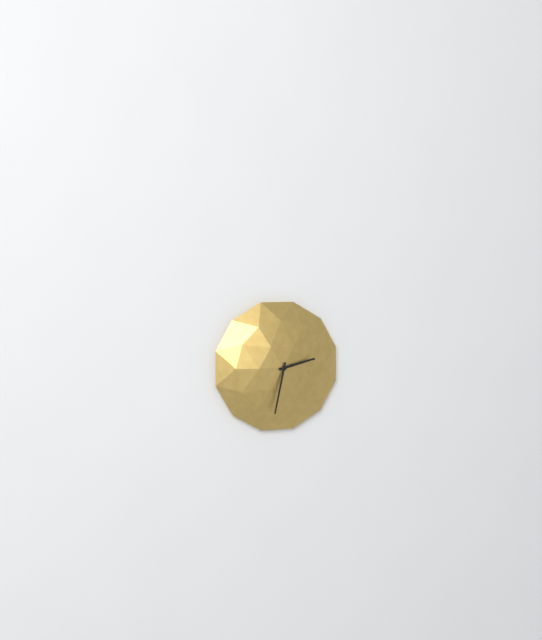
2:32
